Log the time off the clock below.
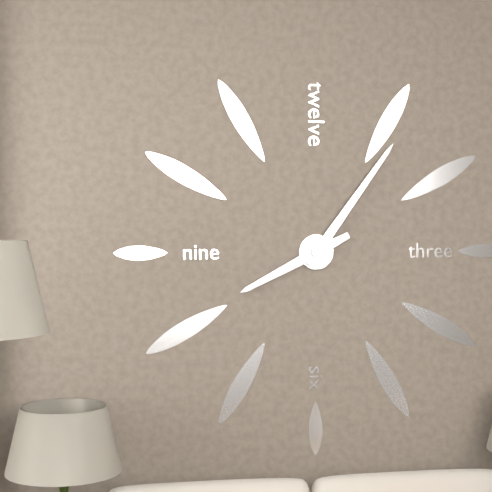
8:06
